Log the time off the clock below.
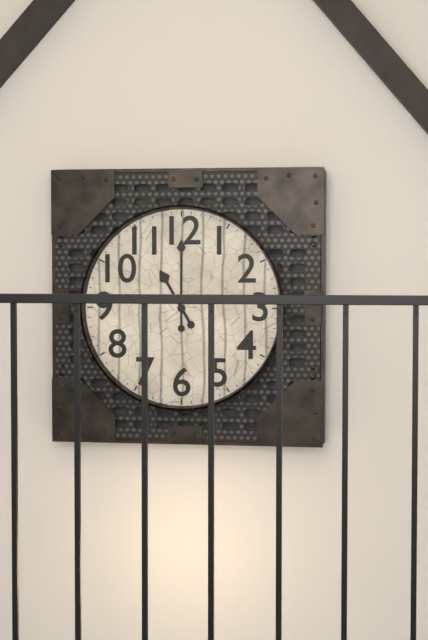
11:00
